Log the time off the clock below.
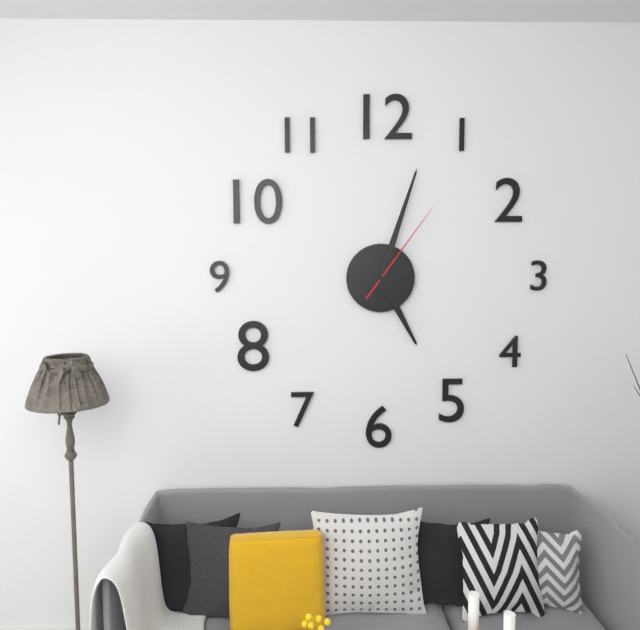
5:03:06
